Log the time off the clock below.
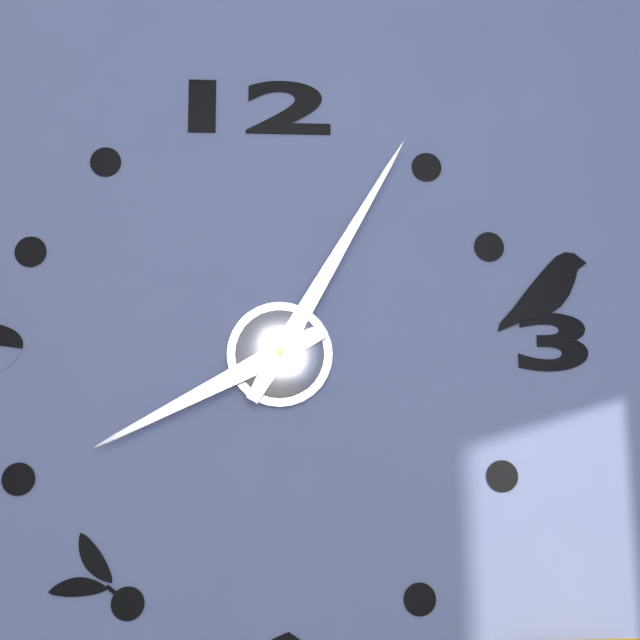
8:05
